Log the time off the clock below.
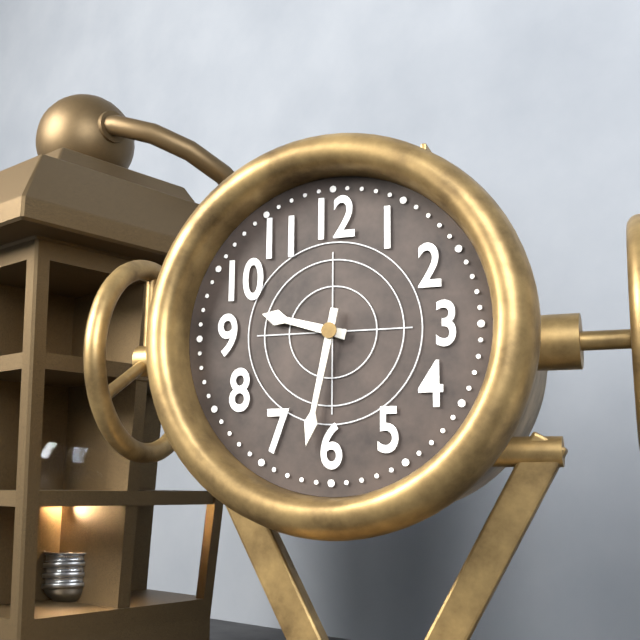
9:32
